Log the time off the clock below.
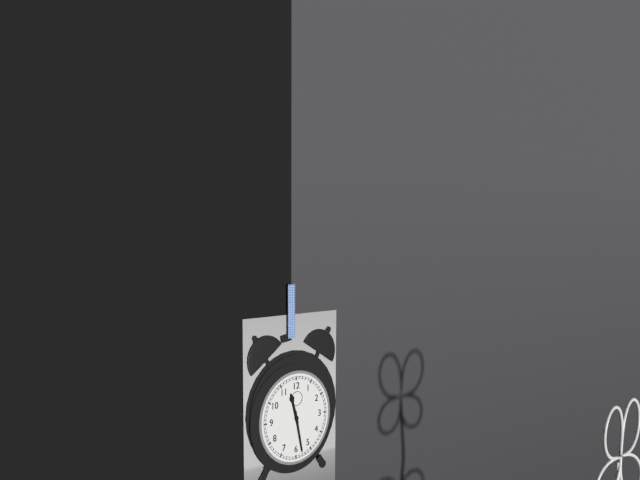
11:28
